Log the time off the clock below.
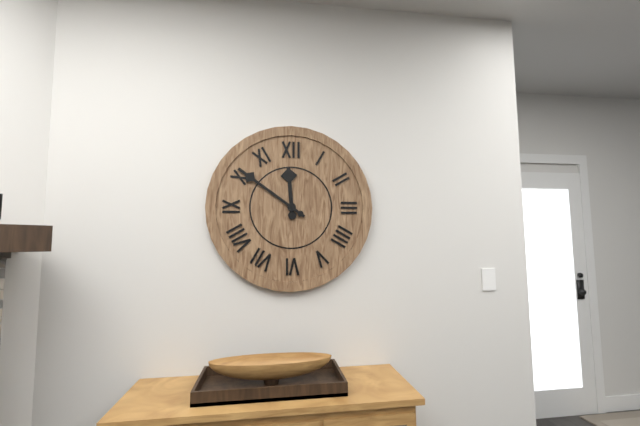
11:51
